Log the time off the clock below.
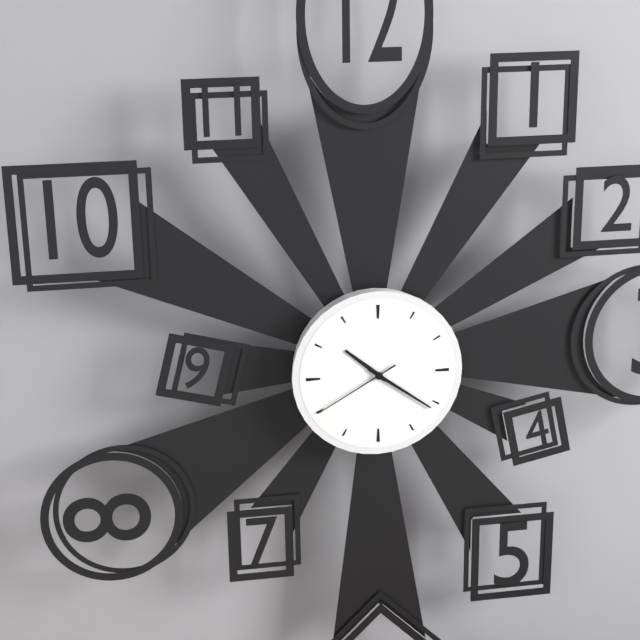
10:21:40
